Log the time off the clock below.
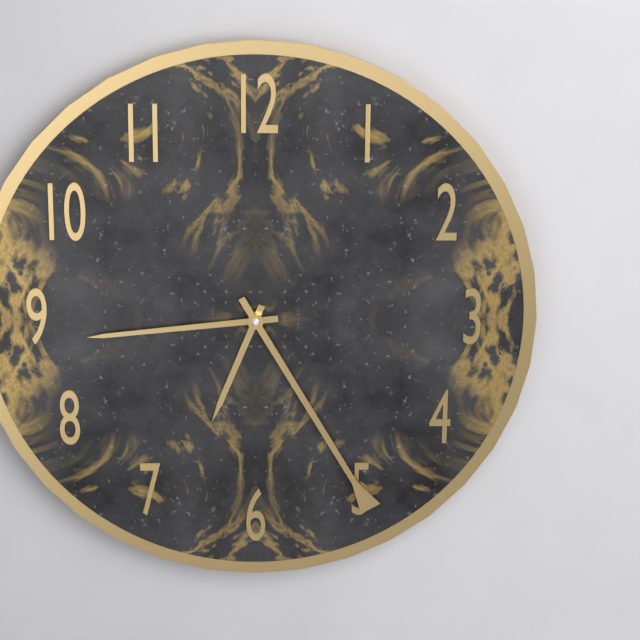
6:44:25
